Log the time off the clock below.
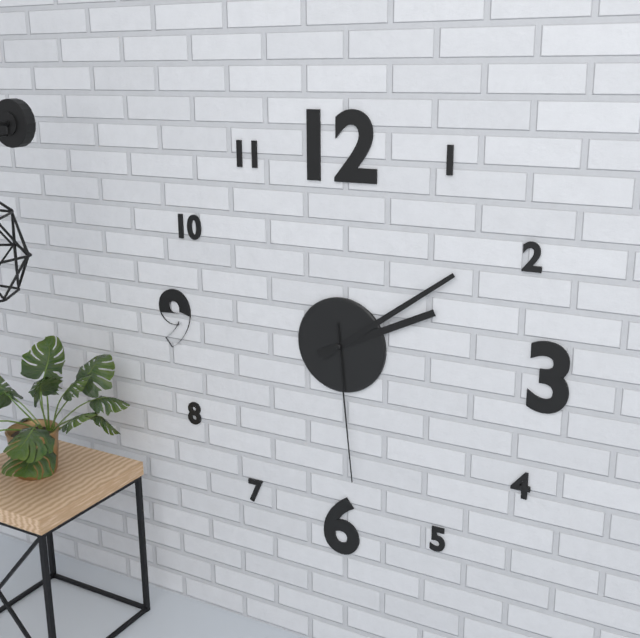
2:09:29
